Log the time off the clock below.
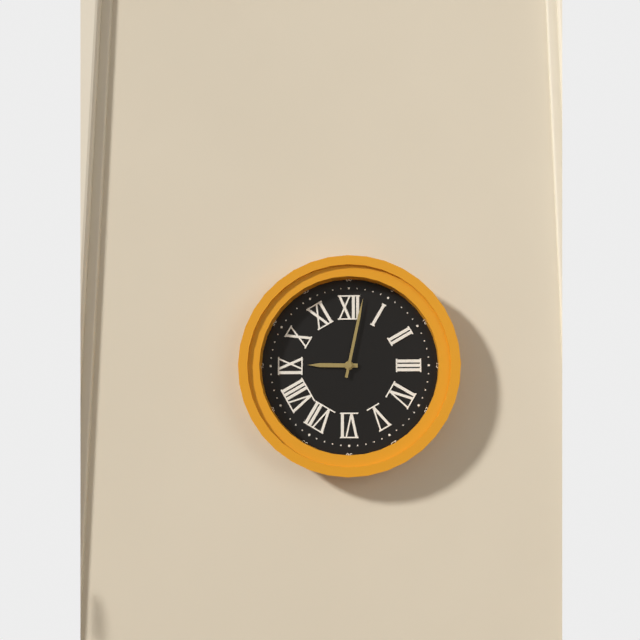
9:02
